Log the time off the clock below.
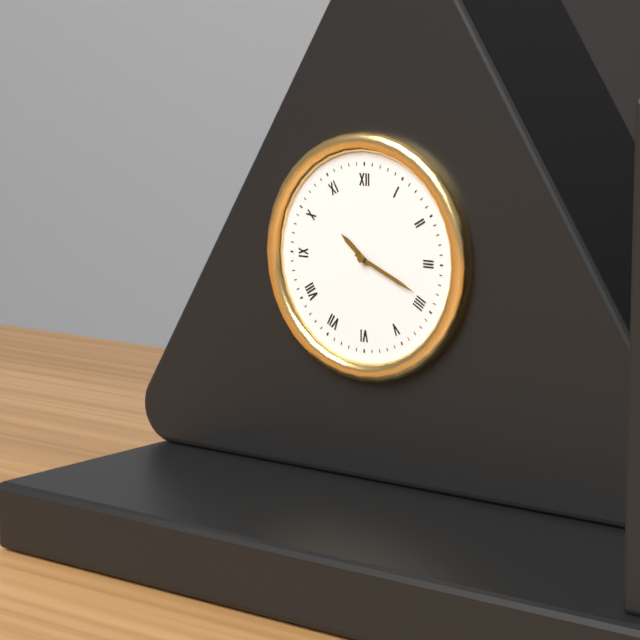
10:19
